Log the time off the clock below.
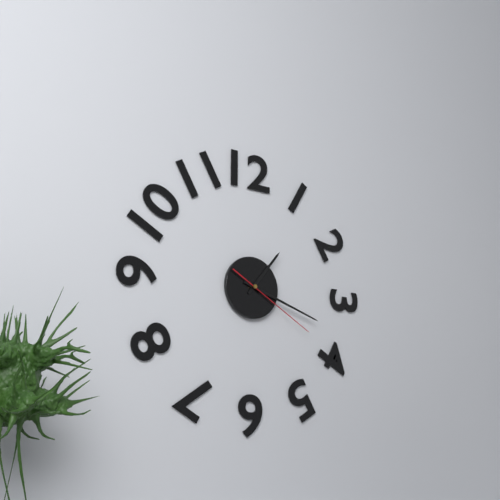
1:18:20
